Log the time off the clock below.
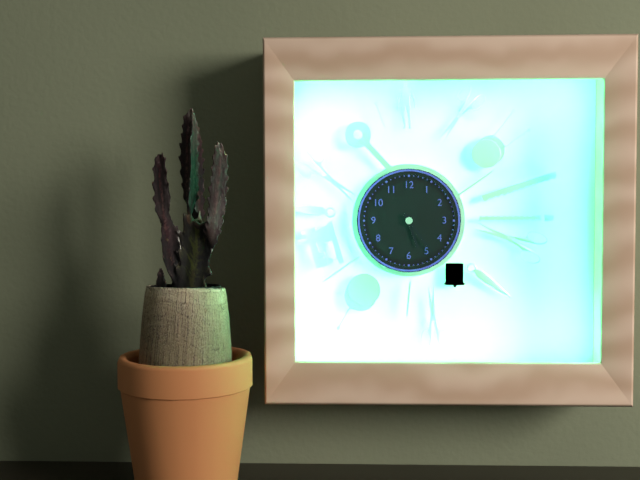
5:24
